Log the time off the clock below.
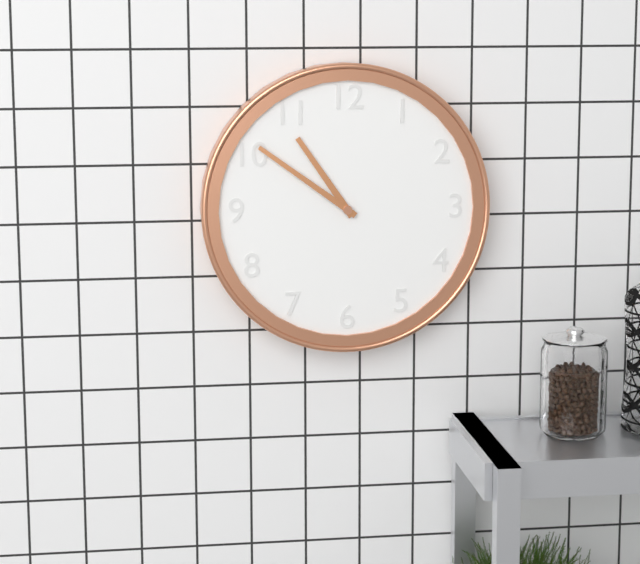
10:51
